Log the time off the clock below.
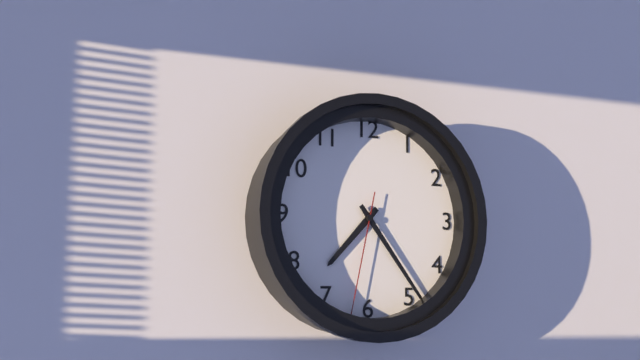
7:24:32
